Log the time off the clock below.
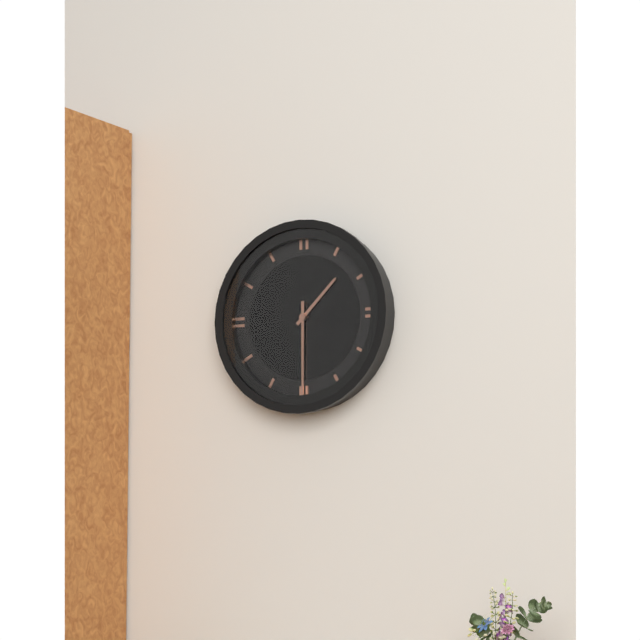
1:30
